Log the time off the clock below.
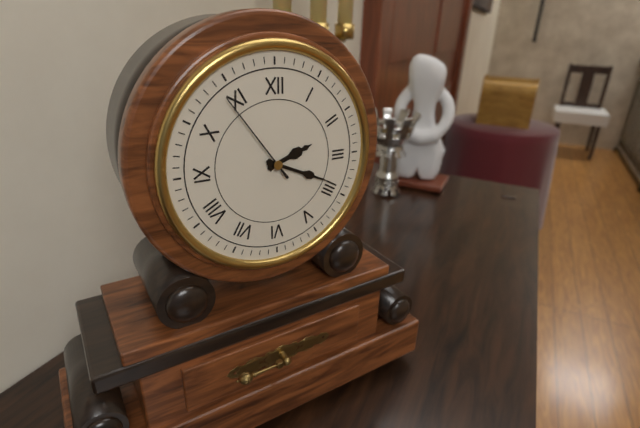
2:19:54
